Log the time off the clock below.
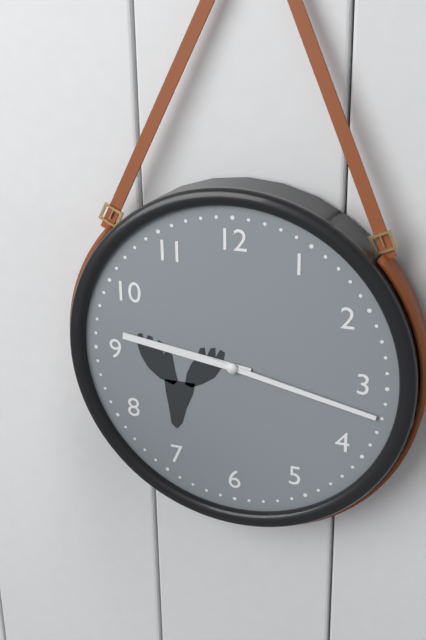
9:17
